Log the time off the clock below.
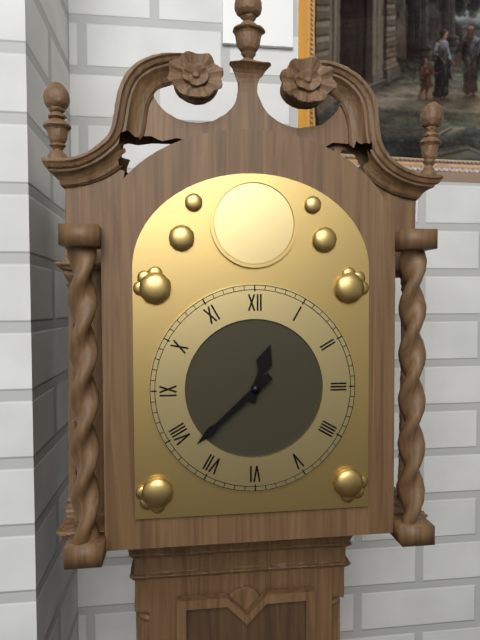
12:38
